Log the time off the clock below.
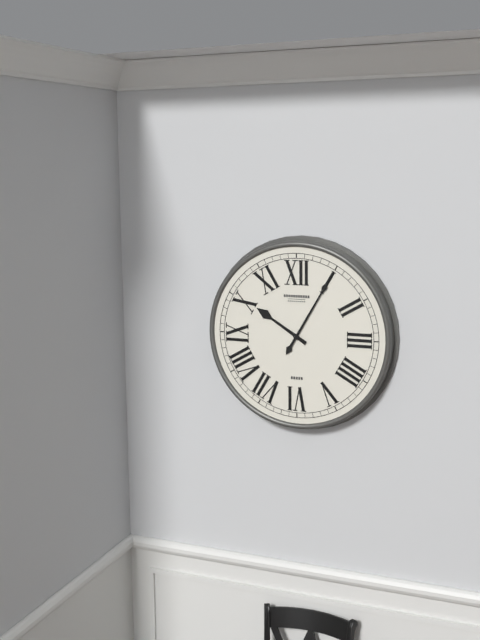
10:05
